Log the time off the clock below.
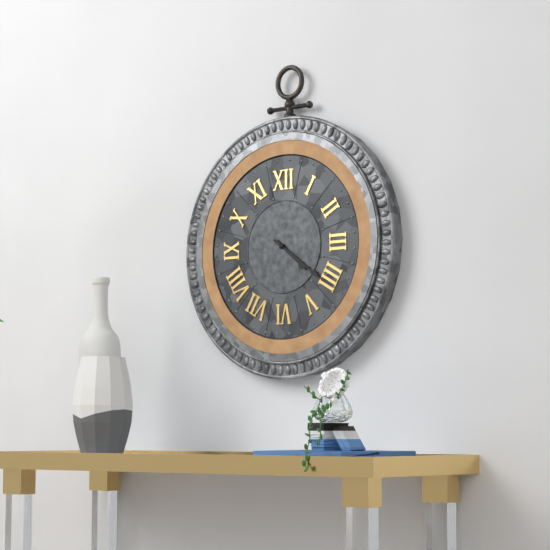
4:21
